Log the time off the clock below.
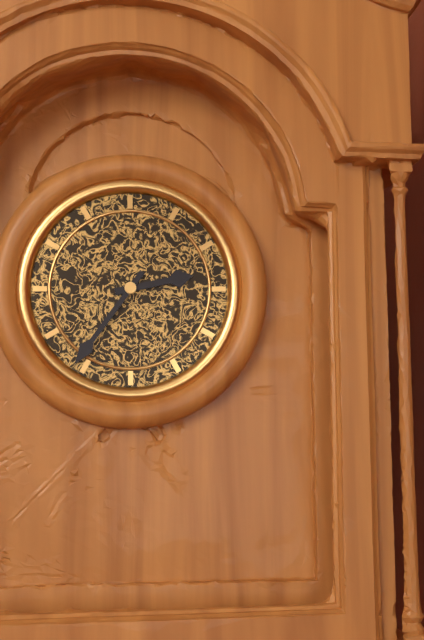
2:36
